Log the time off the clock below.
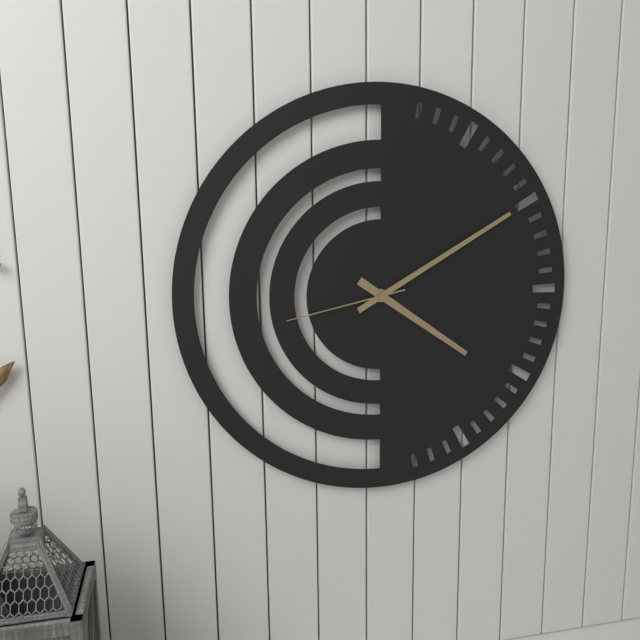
4:10:43
